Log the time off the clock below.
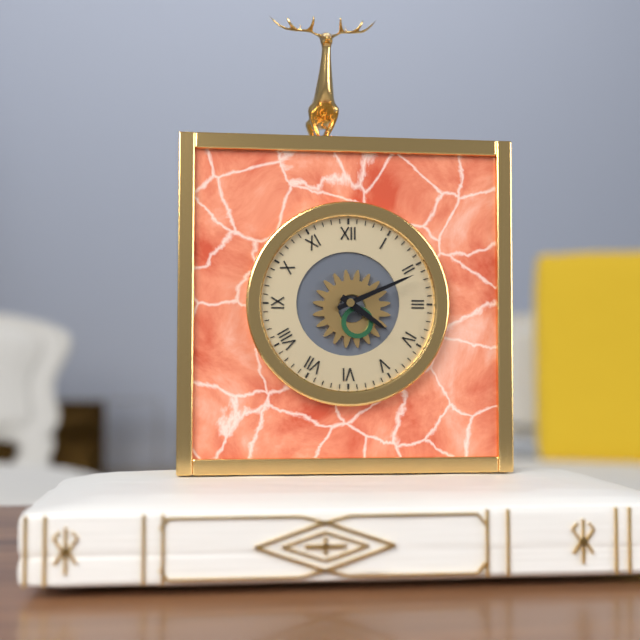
4:11
